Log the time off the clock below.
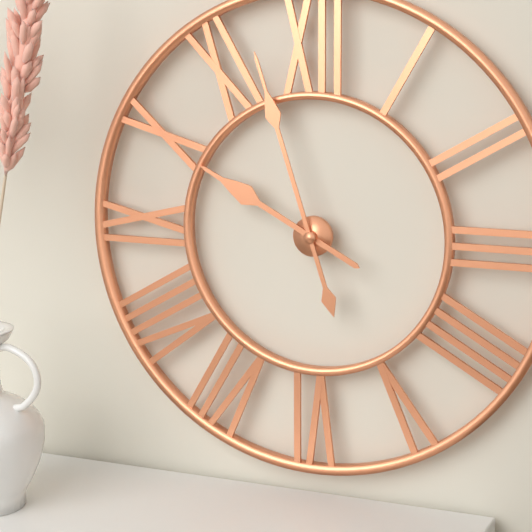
9:57
